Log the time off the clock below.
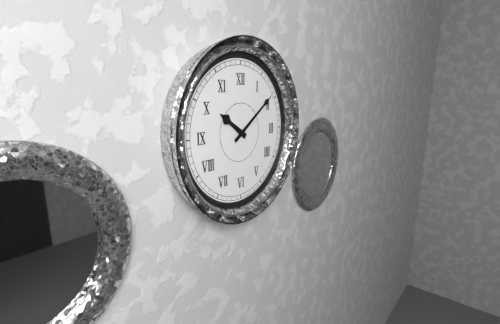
10:09
